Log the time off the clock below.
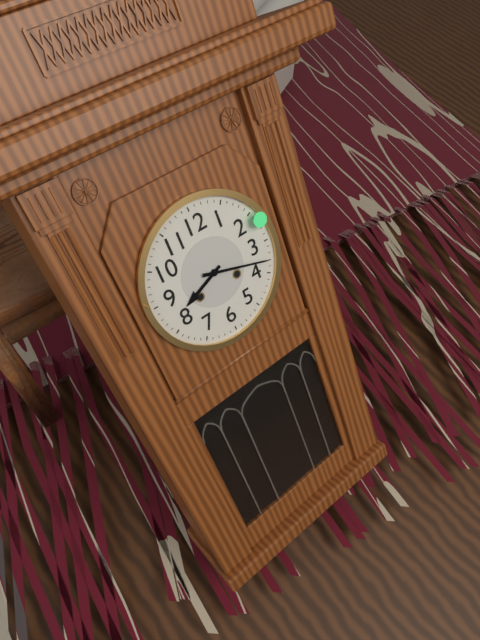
8:18
